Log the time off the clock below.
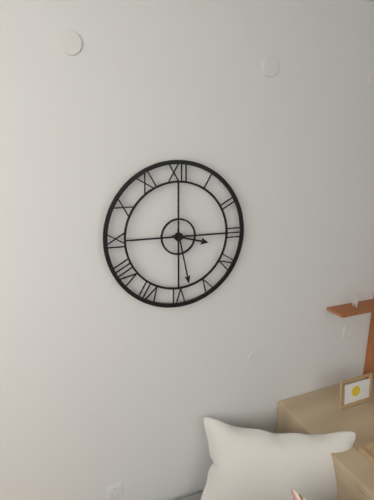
3:28
